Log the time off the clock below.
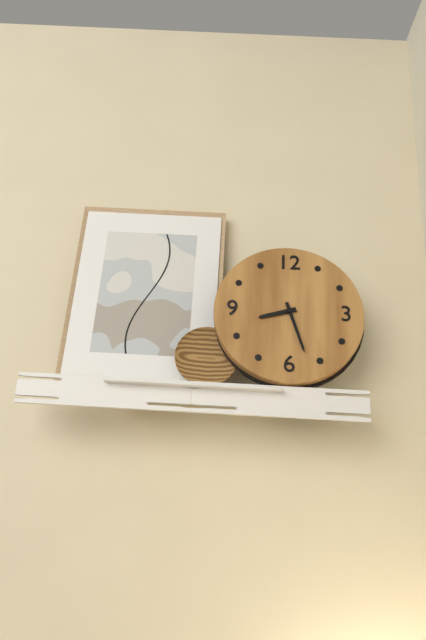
8:27
